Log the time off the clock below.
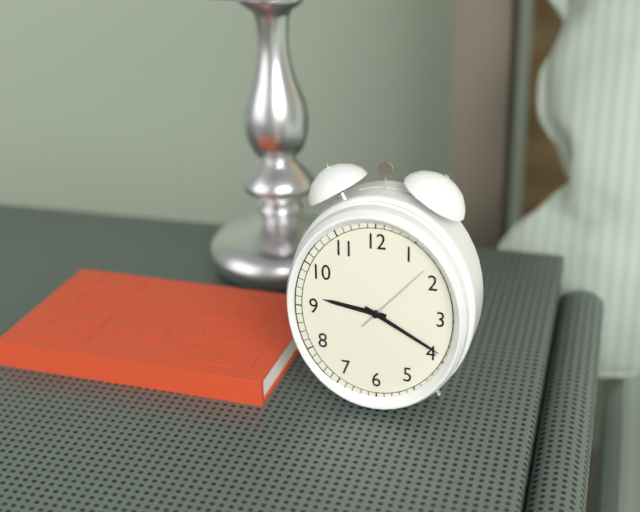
9:20:07
